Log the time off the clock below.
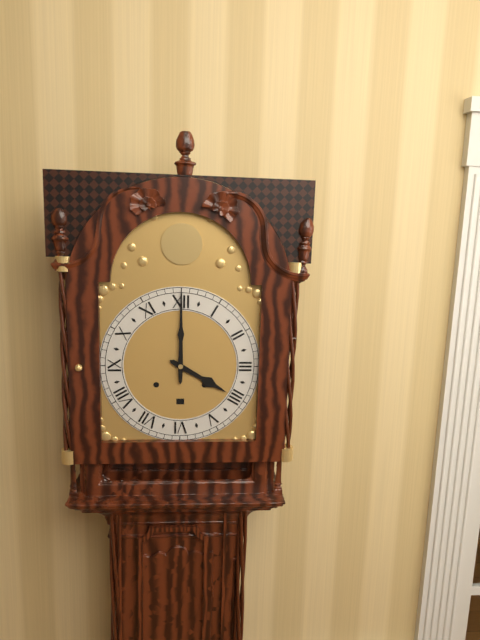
4:00
